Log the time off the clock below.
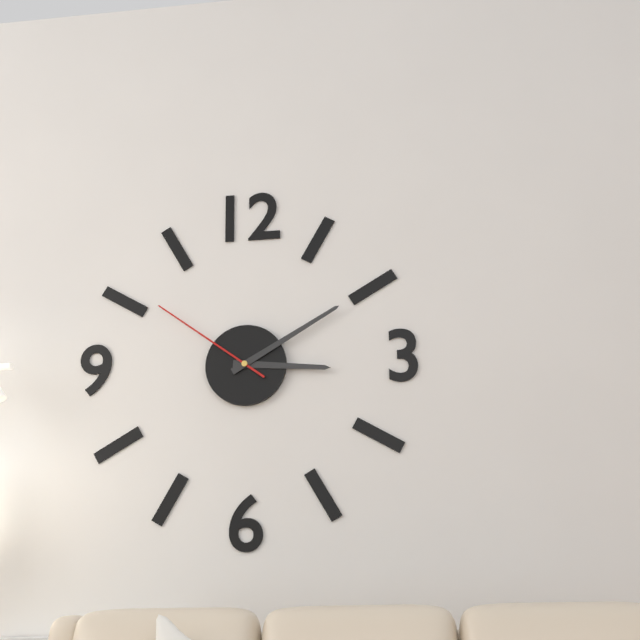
3:10:51
